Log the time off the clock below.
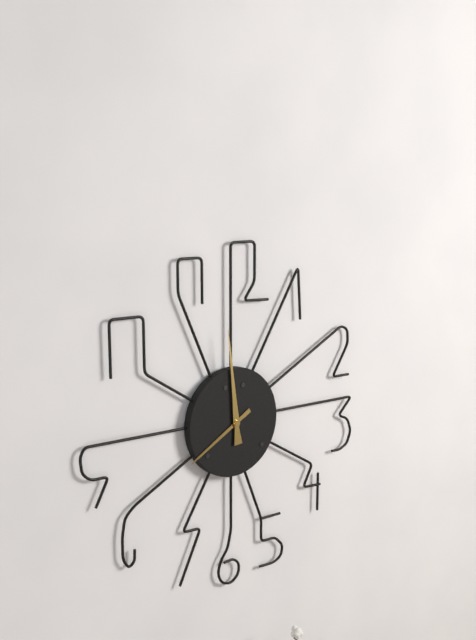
7:59
